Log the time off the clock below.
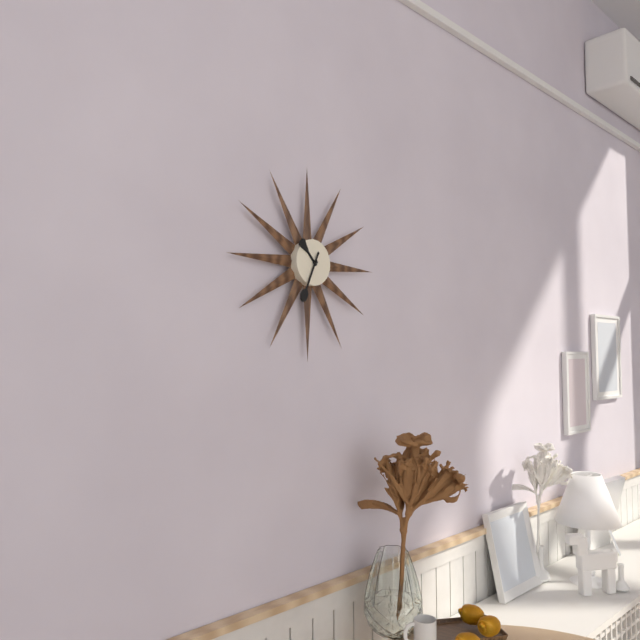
10:34
